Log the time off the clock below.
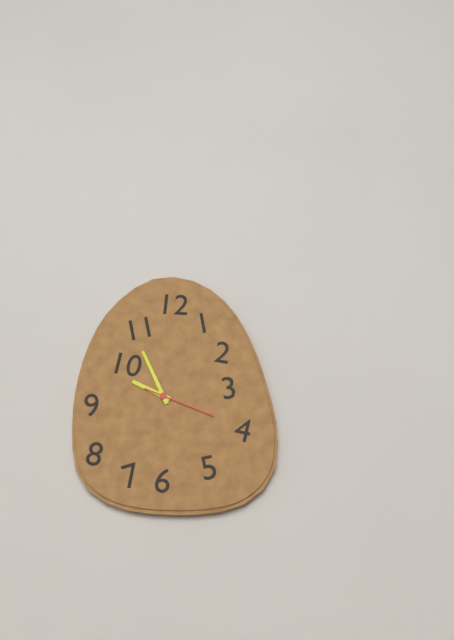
9:56:19
